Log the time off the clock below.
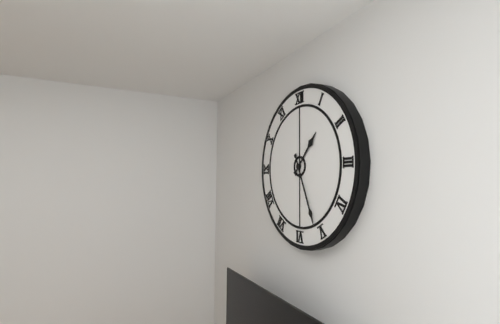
1:26
